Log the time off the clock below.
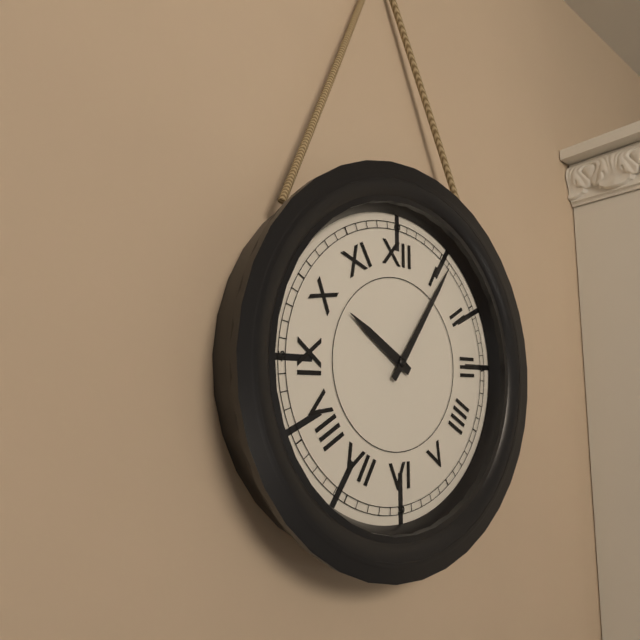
10:06
